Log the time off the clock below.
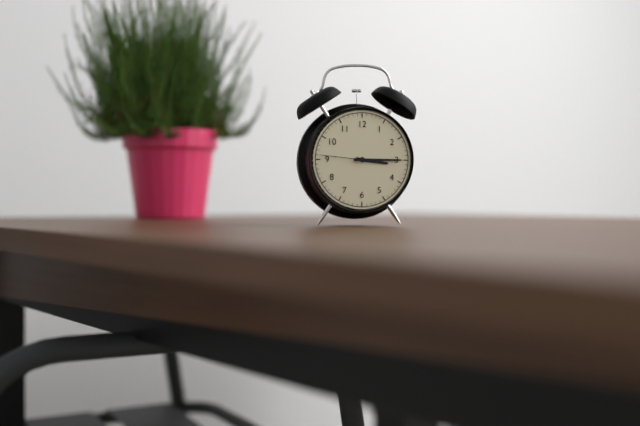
3:15:46
